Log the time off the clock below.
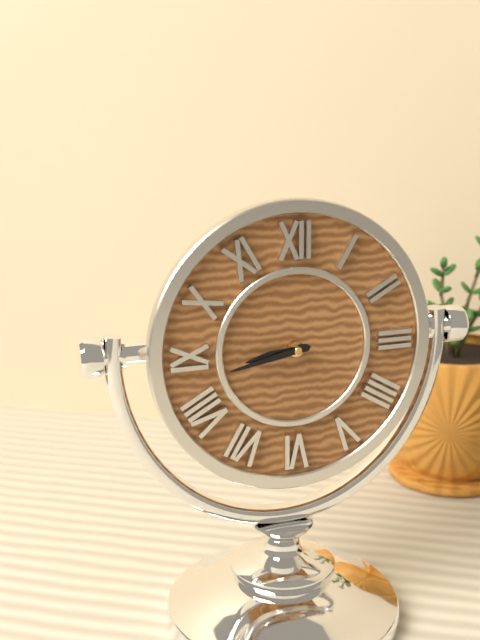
8:43
